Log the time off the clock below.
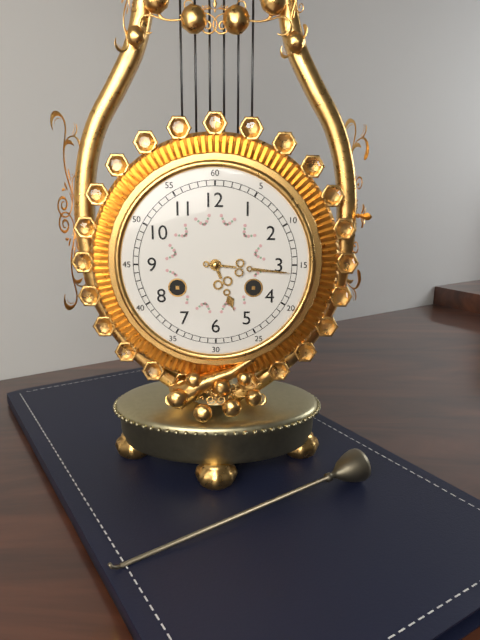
5:16
